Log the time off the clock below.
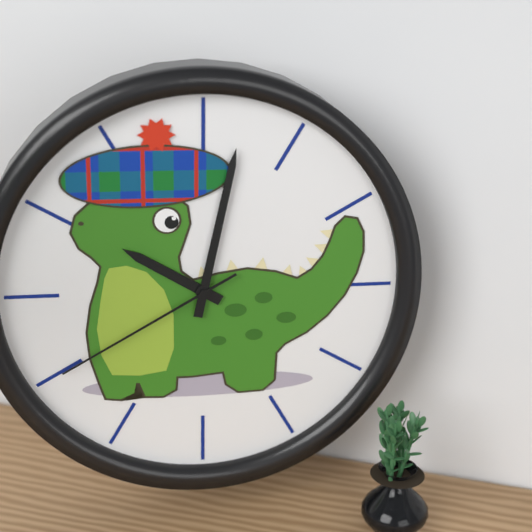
10:02:40
